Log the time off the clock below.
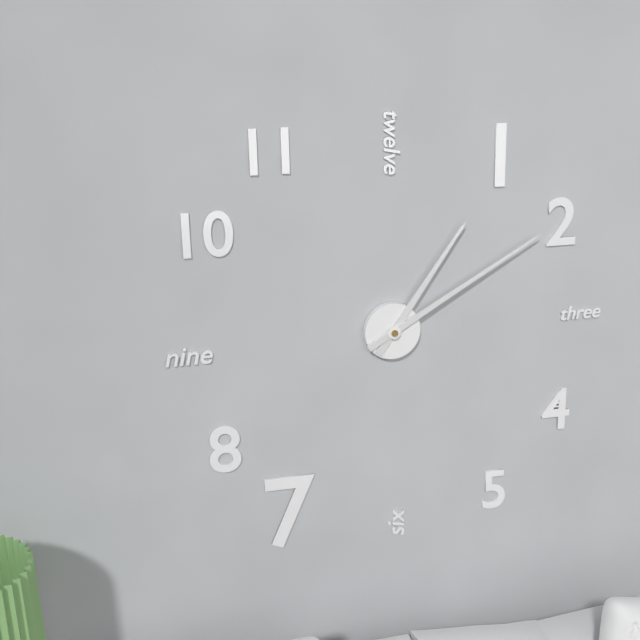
1:10
